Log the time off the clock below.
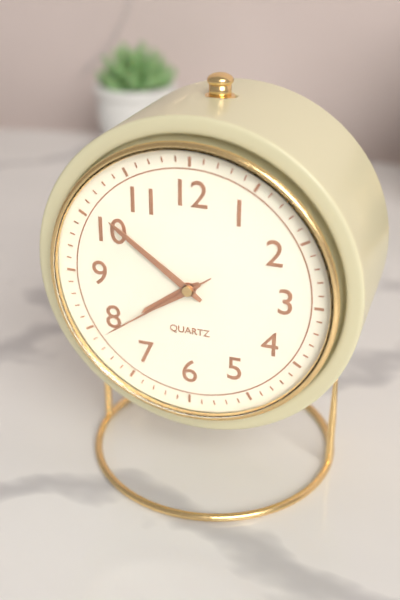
7:51:39
